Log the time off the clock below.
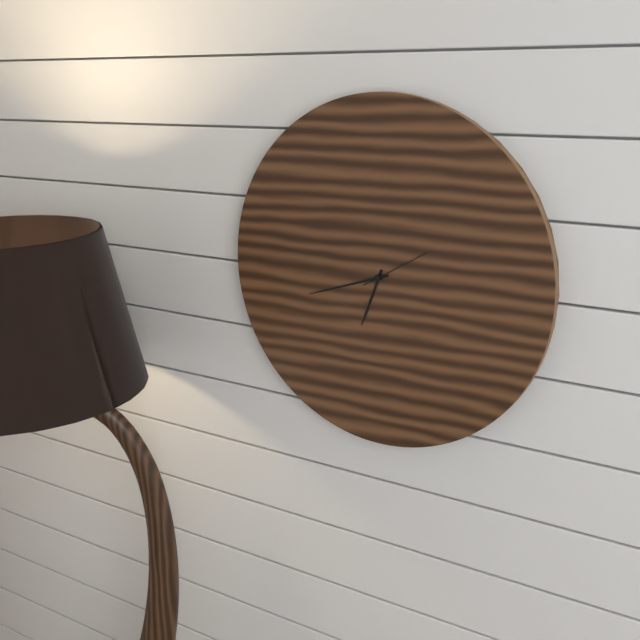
6:42:10
